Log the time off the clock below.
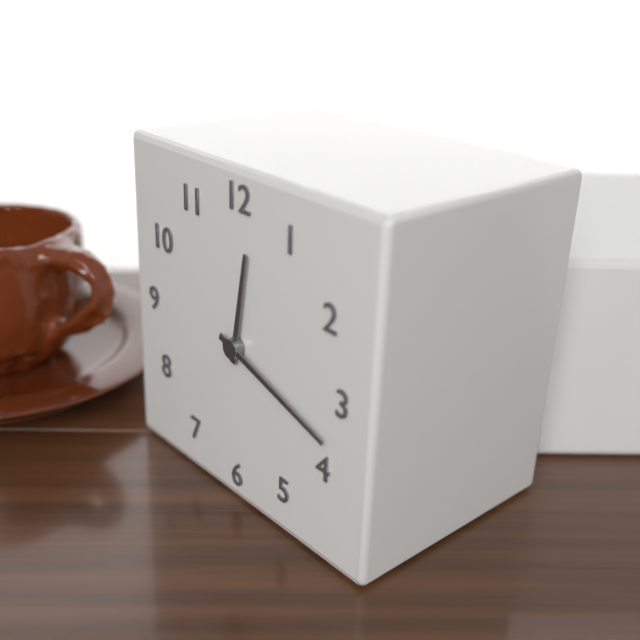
12:18
